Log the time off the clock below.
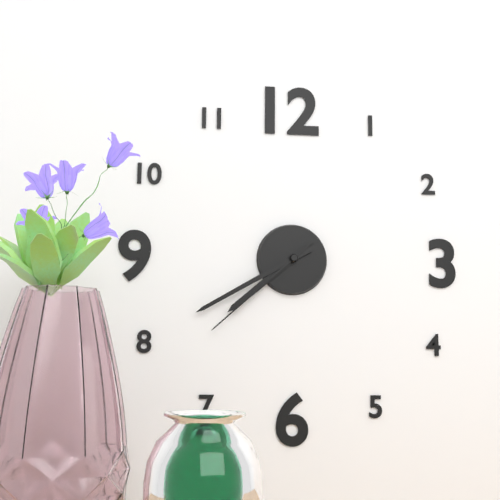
7:40:38
